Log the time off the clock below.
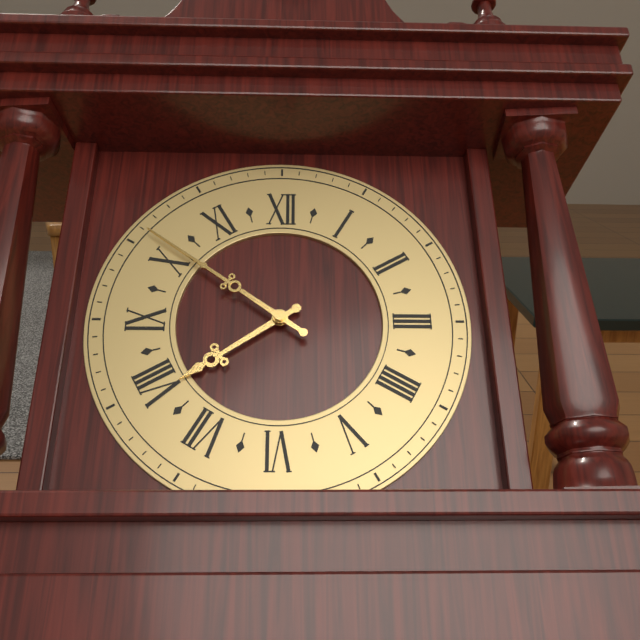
7:51
